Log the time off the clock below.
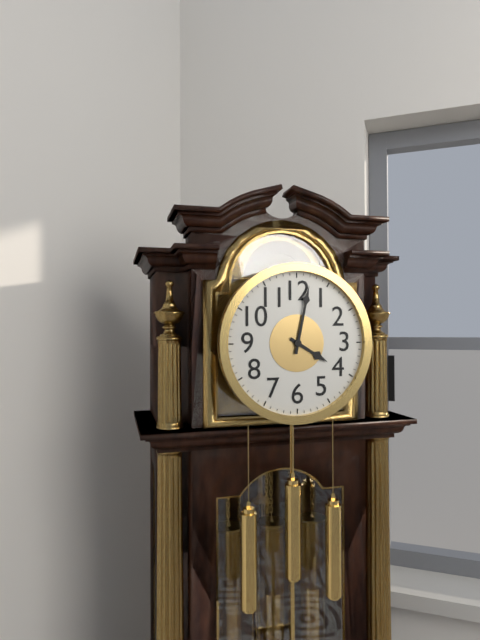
4:02
